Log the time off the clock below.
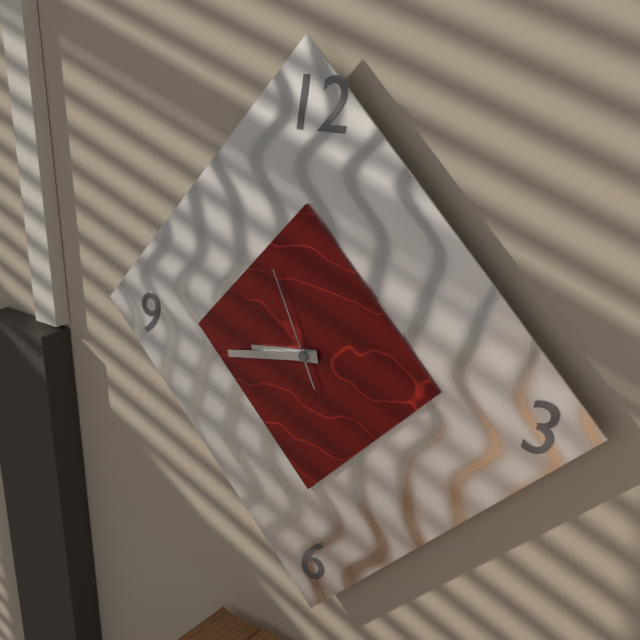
8:43:56
